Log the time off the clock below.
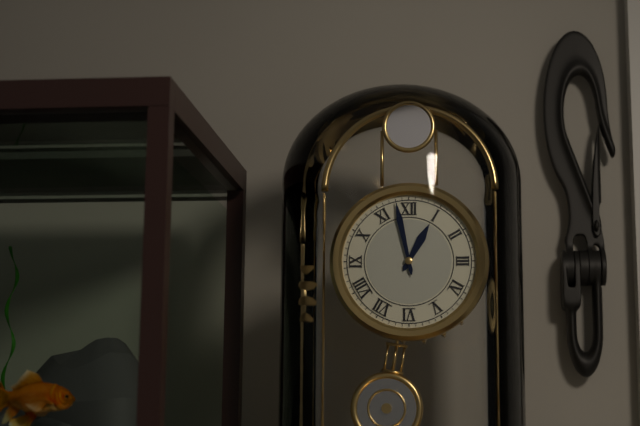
12:58
